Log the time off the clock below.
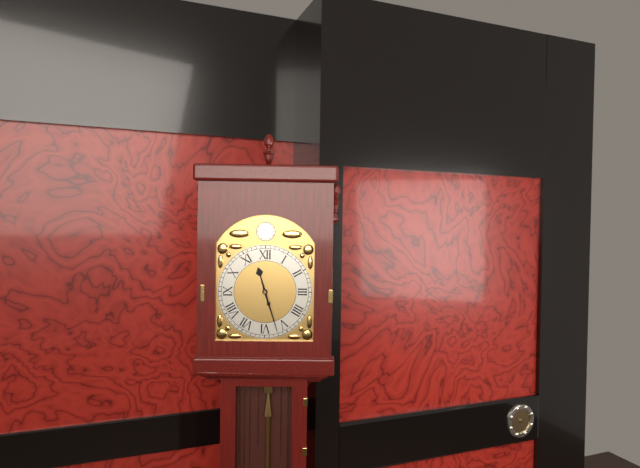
11:27
